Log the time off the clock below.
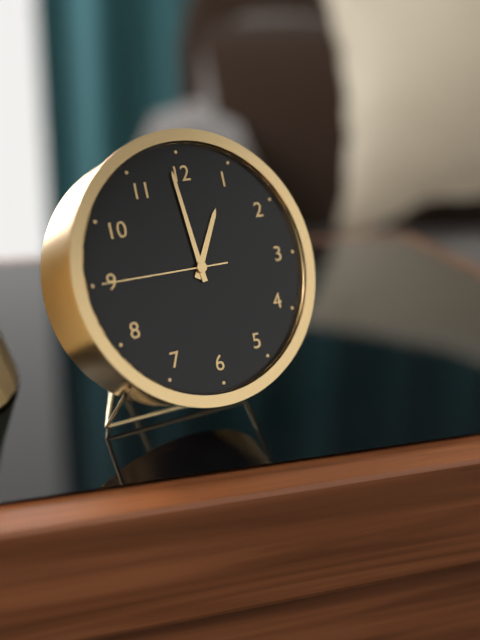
12:59:45
